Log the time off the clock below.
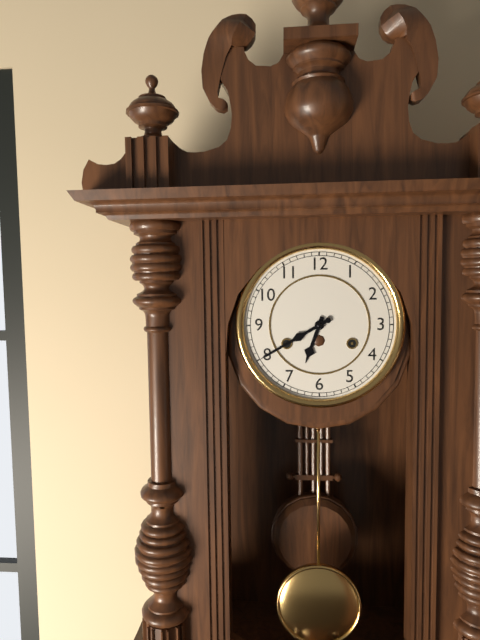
6:40
